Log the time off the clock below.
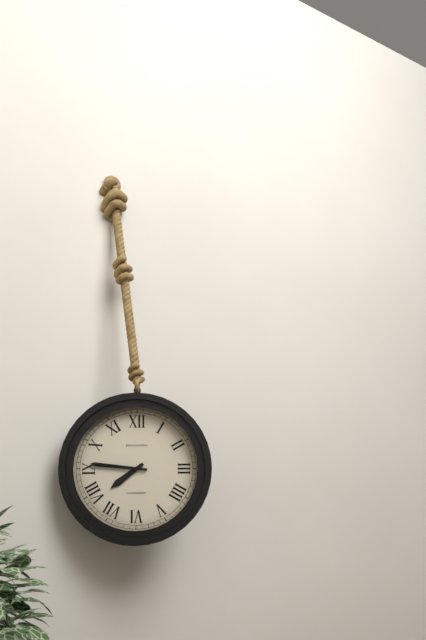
7:46
